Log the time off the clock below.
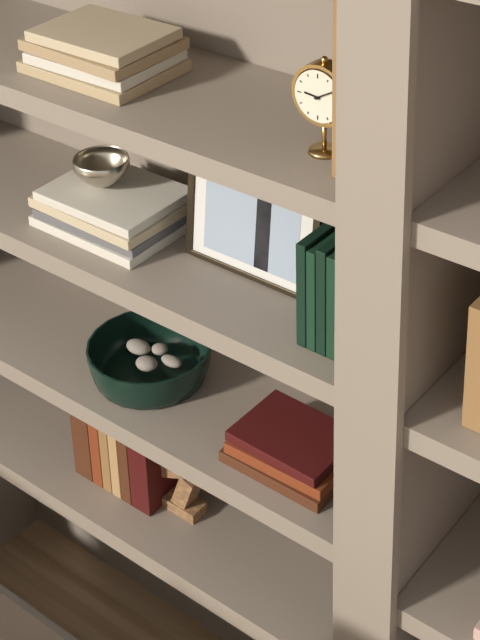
9:10
